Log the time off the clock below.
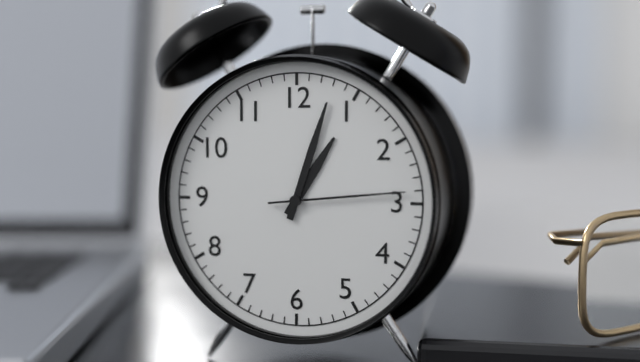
1:03:14
